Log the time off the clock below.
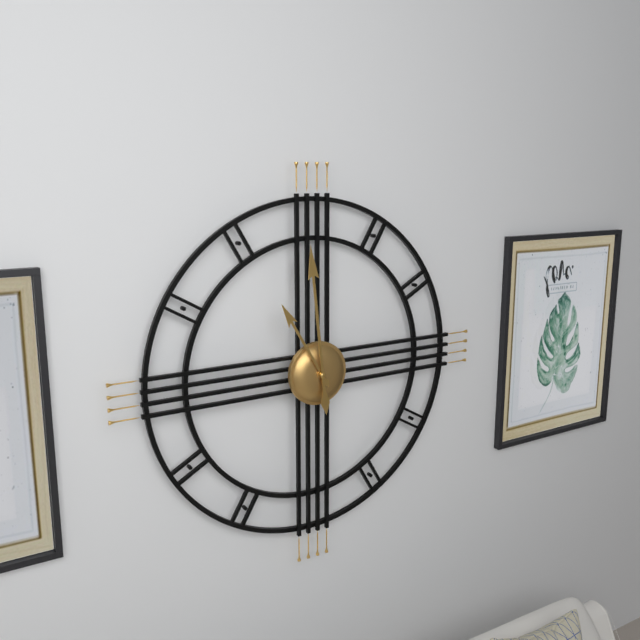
10:59
